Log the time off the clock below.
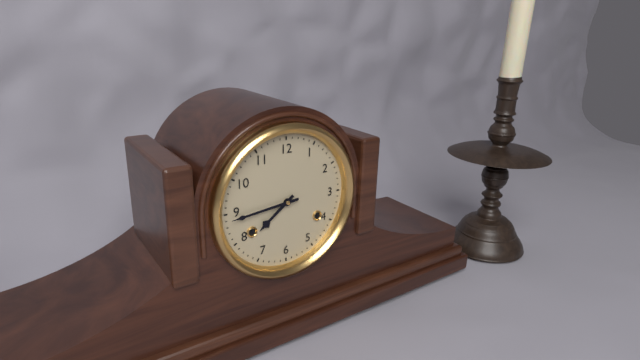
7:44
